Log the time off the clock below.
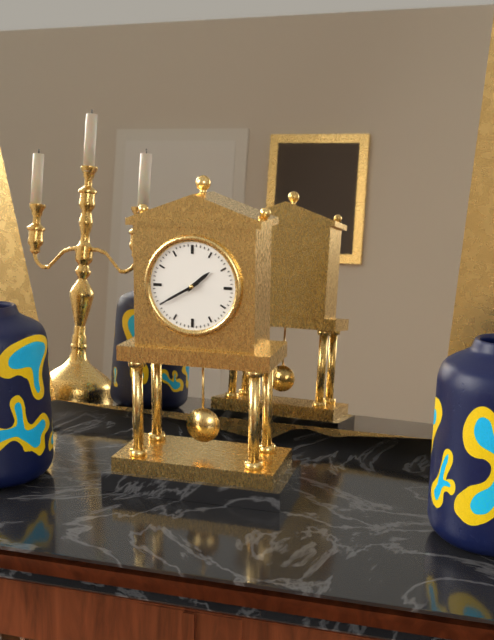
1:40
